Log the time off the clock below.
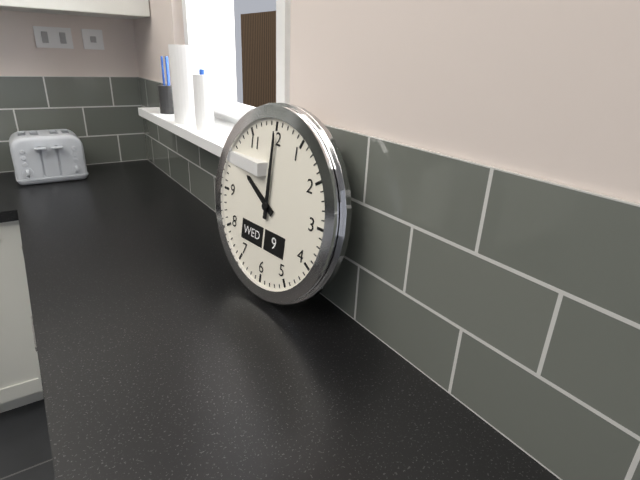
10:00
